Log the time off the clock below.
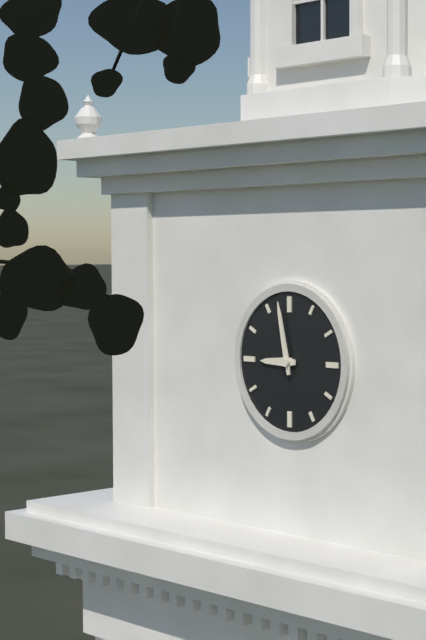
8:58
